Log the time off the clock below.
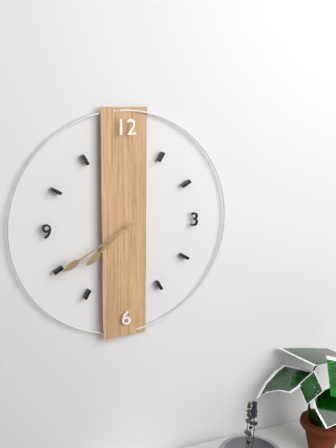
7:40
